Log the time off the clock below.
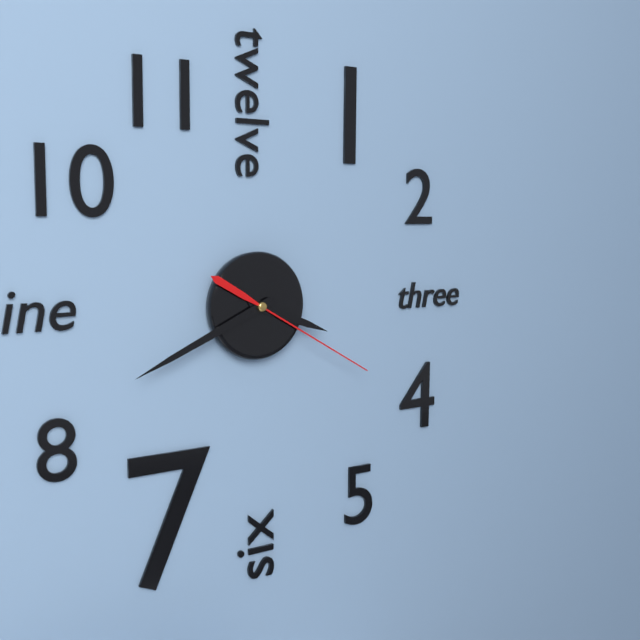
3:41:20
